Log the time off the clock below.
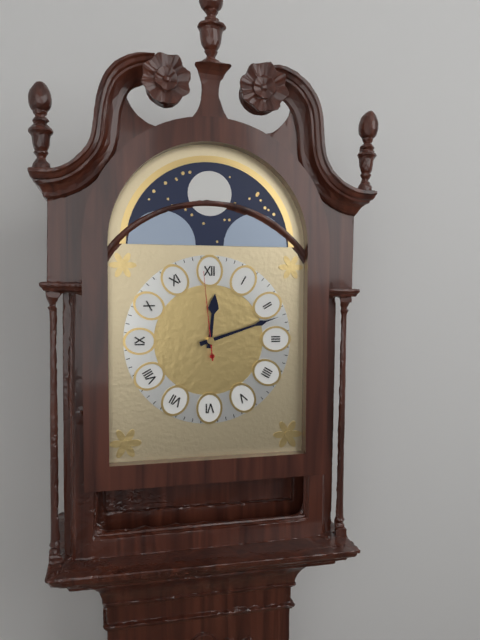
12:12:59
